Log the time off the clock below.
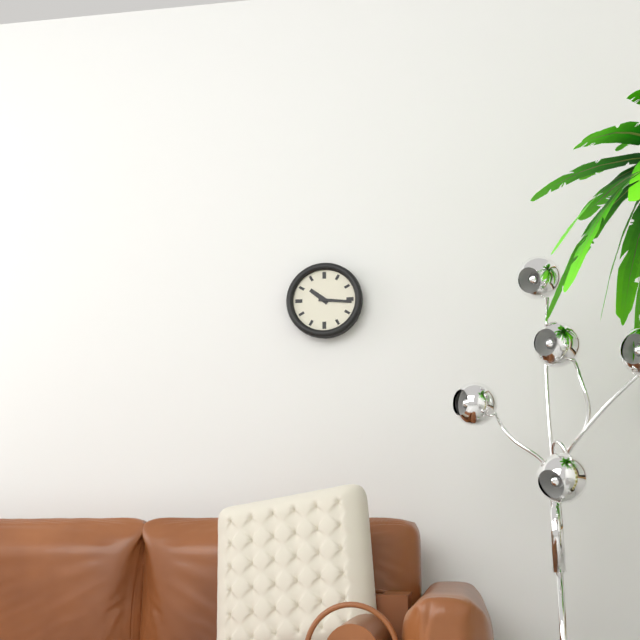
10:16
